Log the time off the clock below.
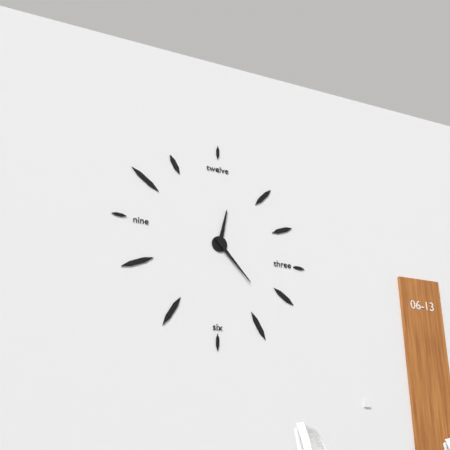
12:23
